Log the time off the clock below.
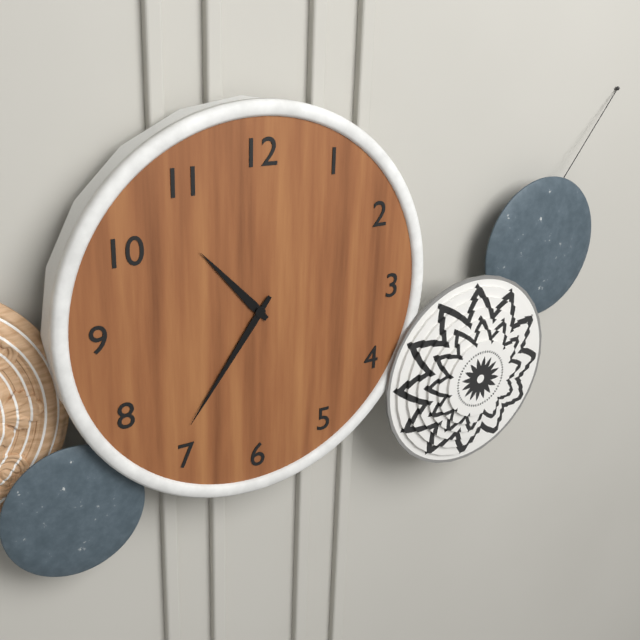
10:36
